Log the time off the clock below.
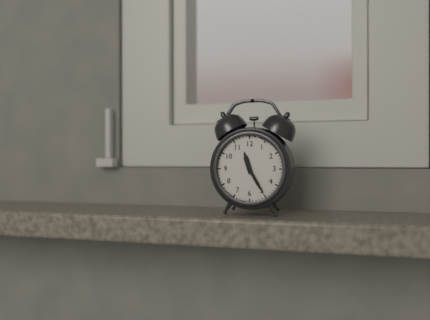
11:25
